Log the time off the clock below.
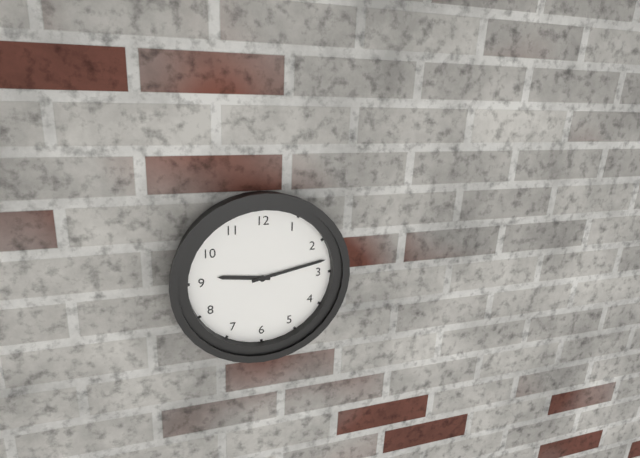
9:13
